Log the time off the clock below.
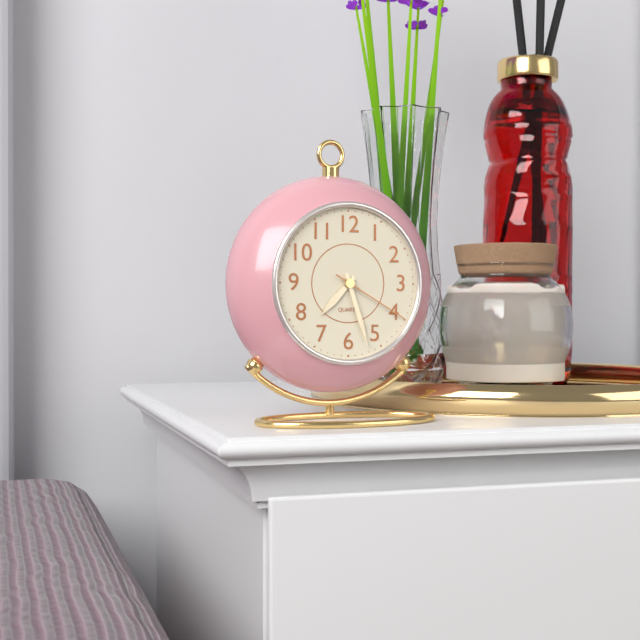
7:27:20
